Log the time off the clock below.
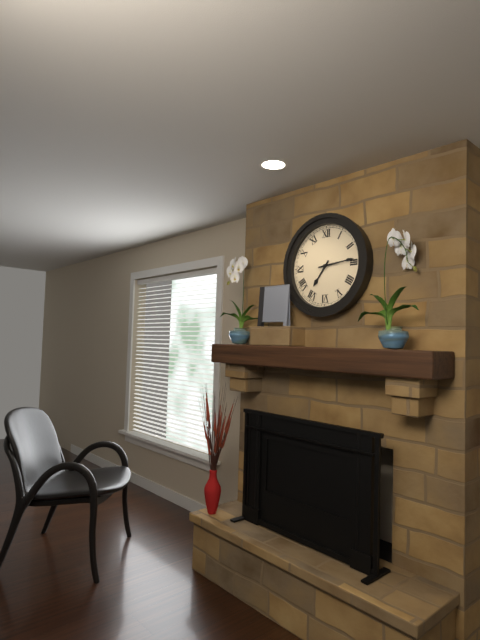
7:14
